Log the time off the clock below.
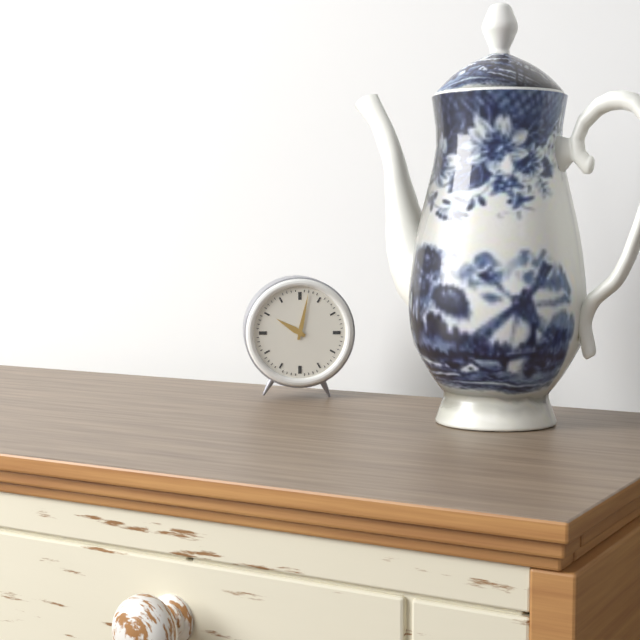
10:02
